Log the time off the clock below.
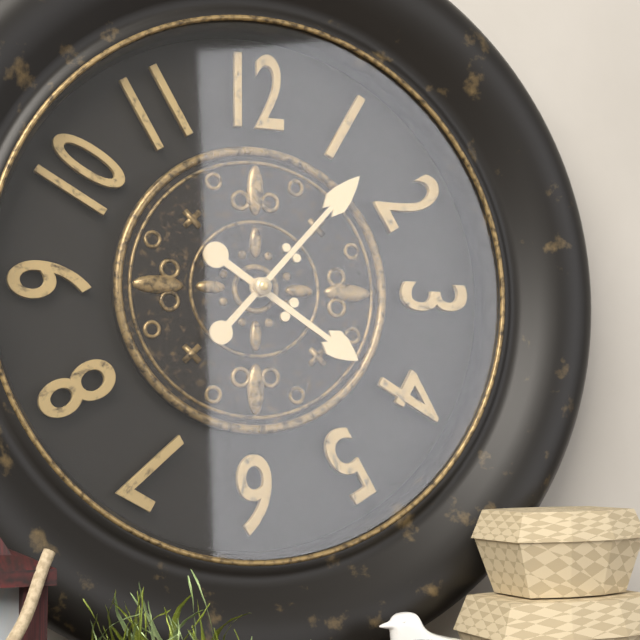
4:07
